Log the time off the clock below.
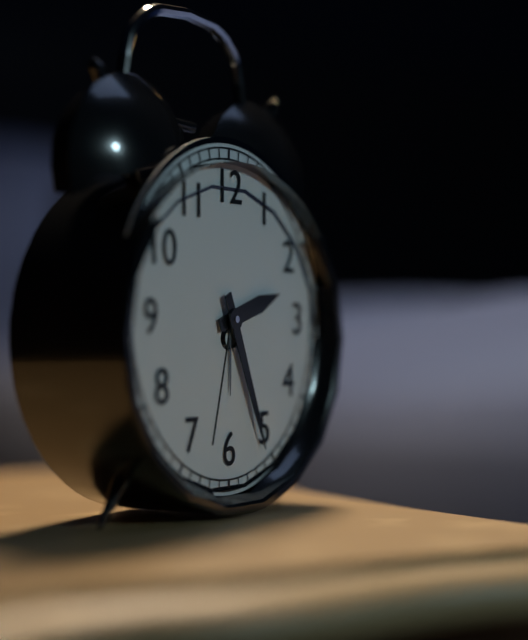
2:26
